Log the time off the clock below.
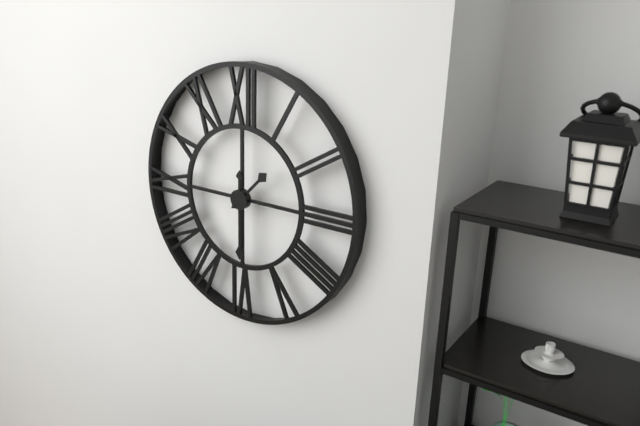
1:30
